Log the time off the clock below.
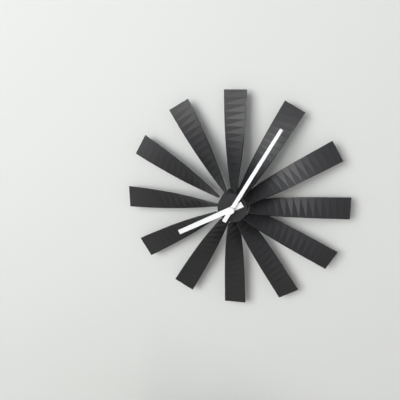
8:05
